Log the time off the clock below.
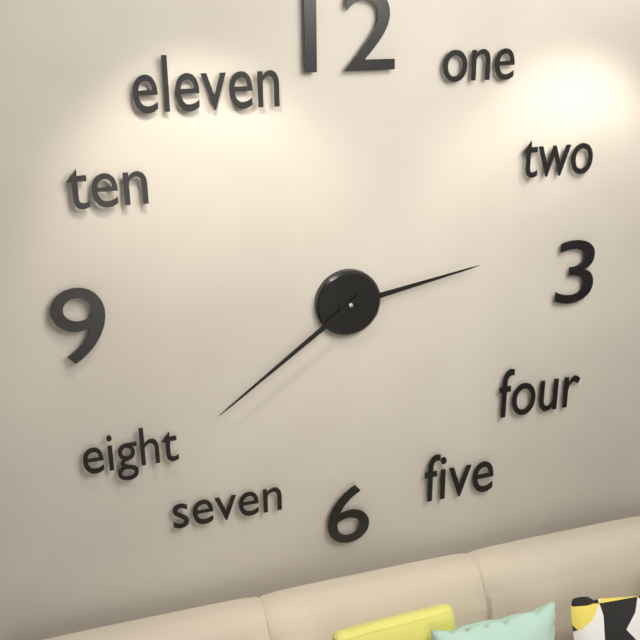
2:39
